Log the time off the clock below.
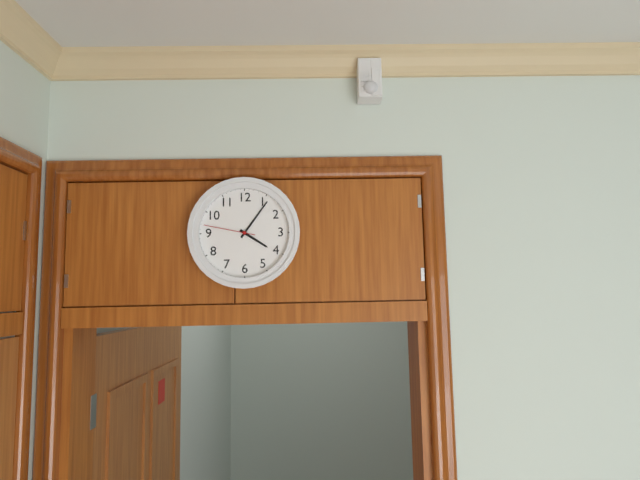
4:06:47
